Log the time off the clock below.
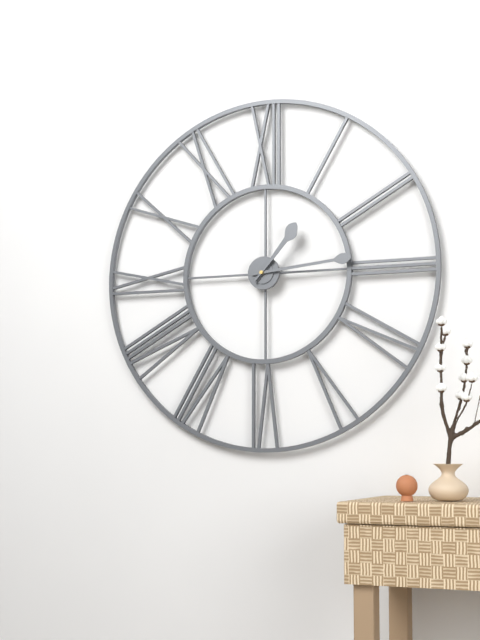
1:14:07
